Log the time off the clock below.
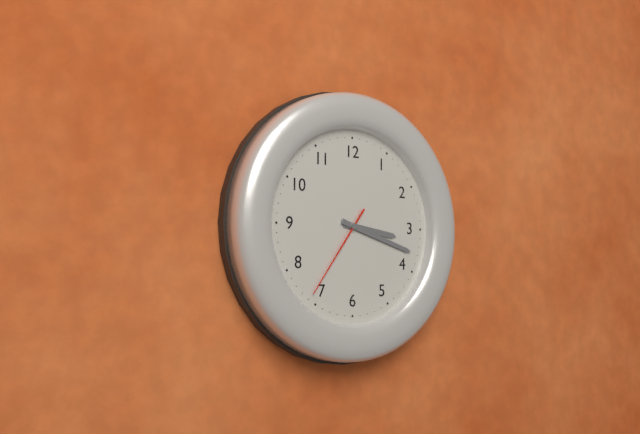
3:18:36
